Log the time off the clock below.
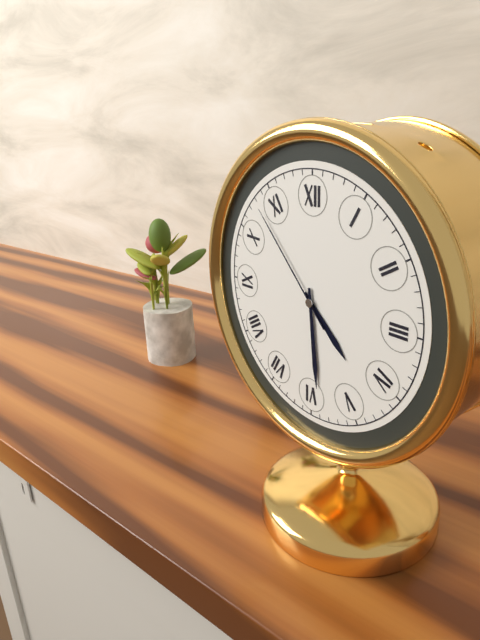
4:29:53
